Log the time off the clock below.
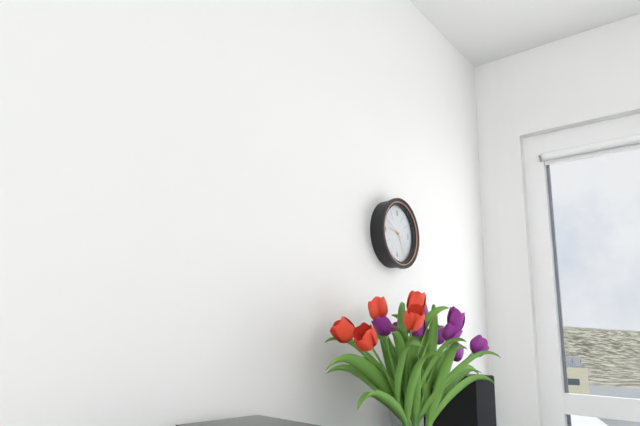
9:24
